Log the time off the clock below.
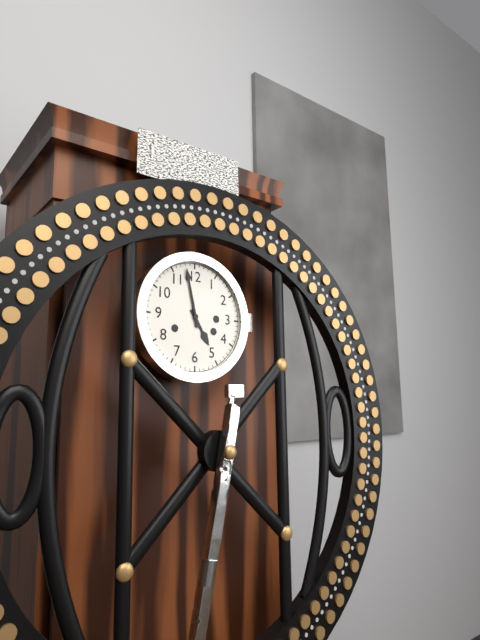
4:58
